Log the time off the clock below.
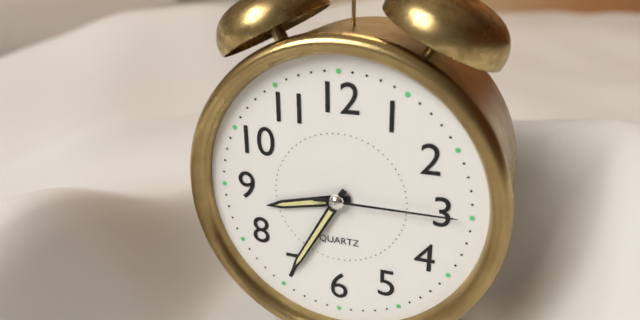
8:35:15
